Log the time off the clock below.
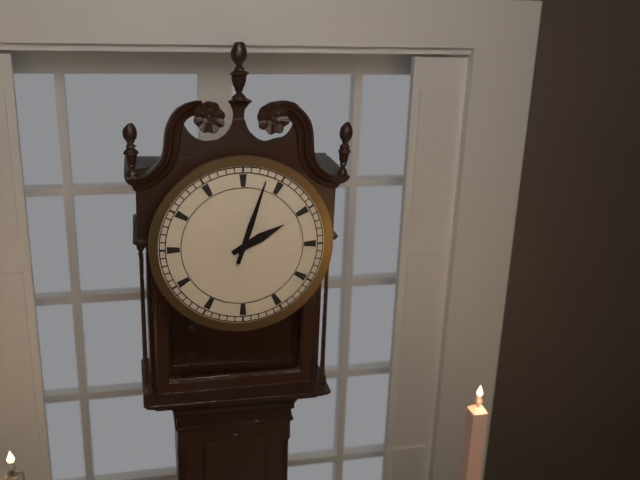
2:03
